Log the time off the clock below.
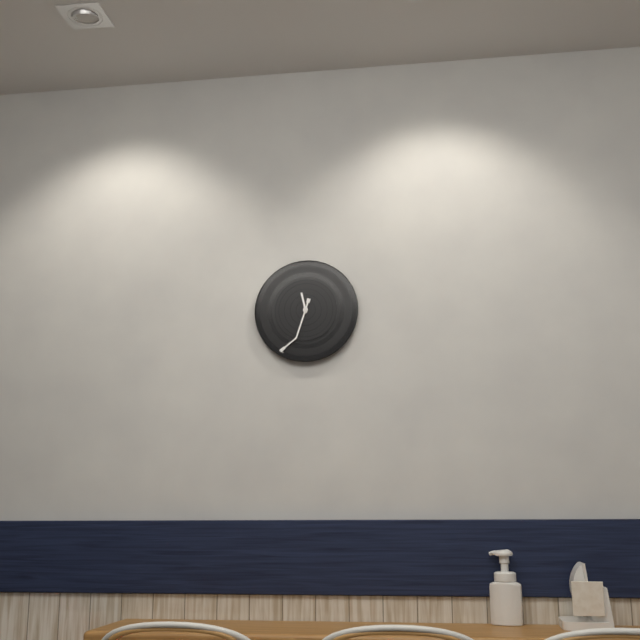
11:33
